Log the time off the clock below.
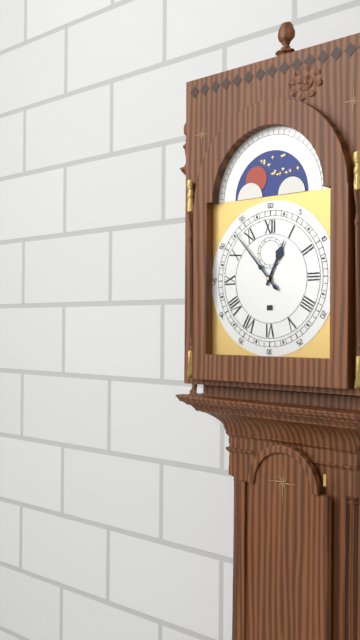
12:53
